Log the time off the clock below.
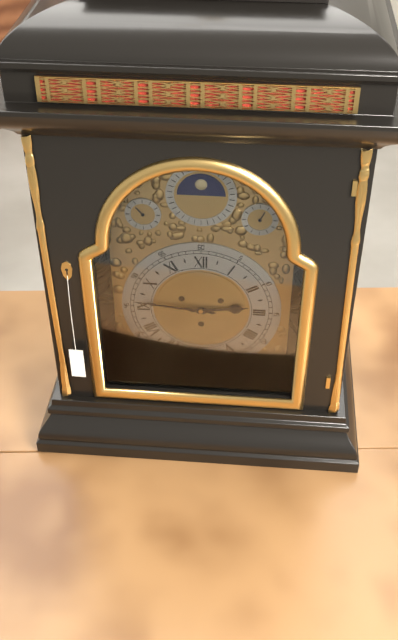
2:46
